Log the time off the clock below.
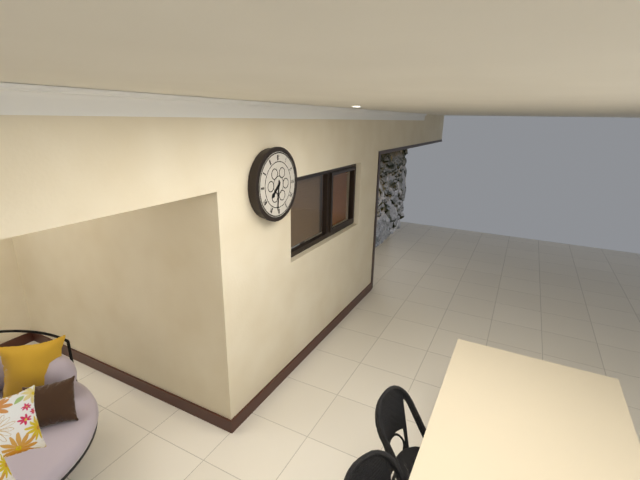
7:31
